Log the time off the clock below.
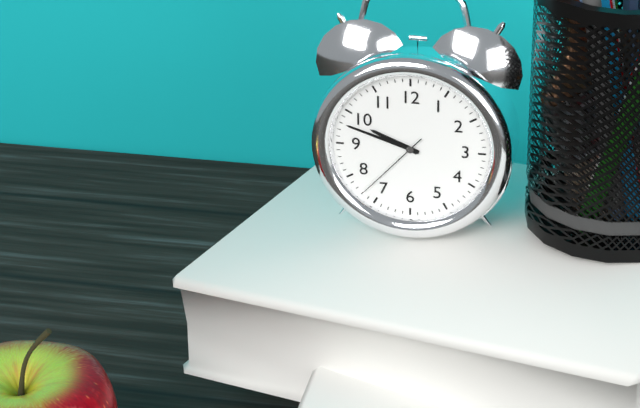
9:48:37
